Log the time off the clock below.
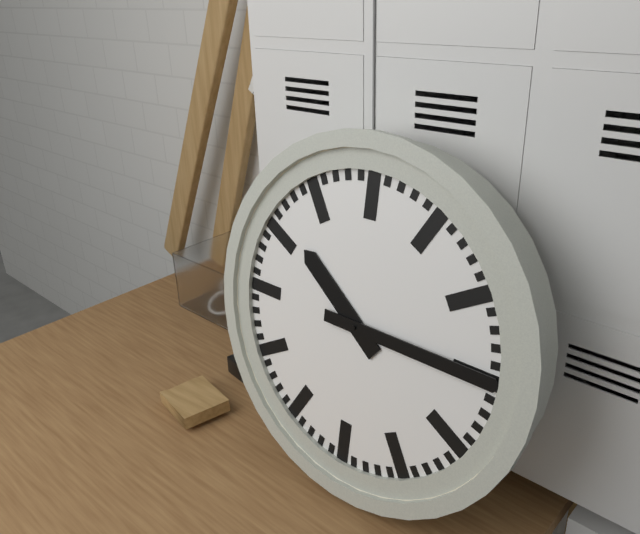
10:15
